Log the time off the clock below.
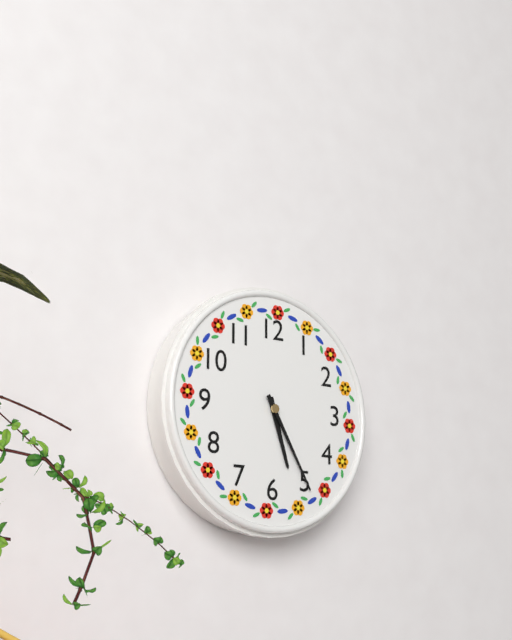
5:25
